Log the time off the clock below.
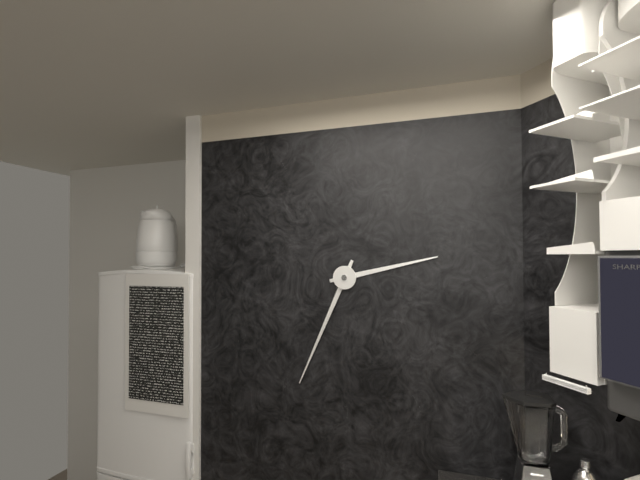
2:34
